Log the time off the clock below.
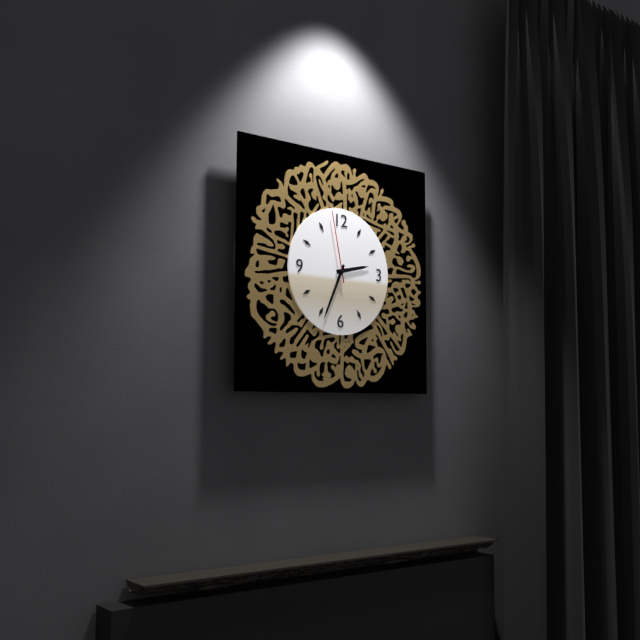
2:34:58
